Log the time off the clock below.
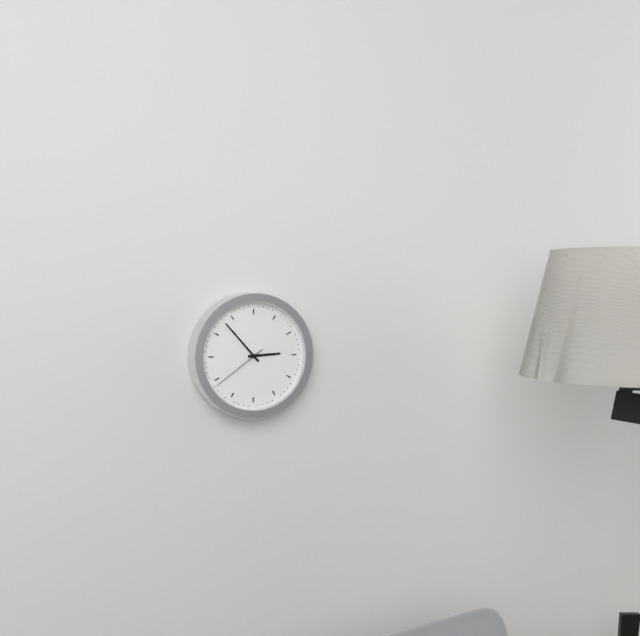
2:53:39
